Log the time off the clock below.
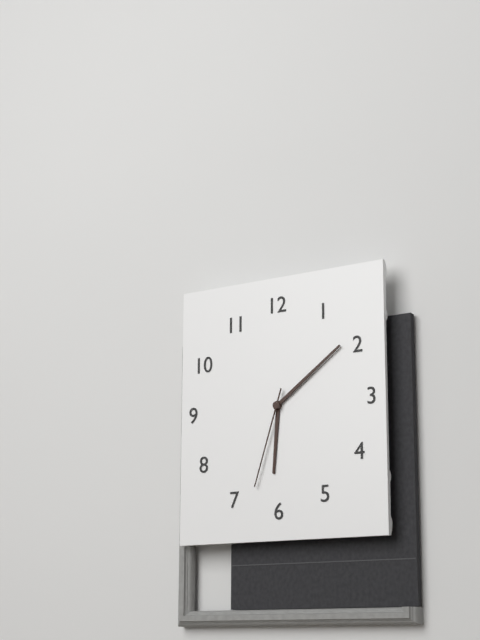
6:09:33
